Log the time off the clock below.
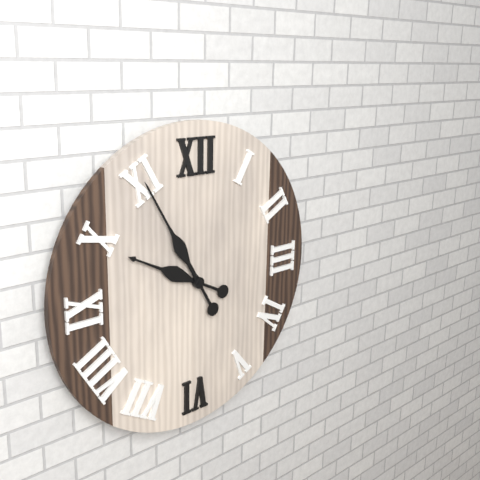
9:55
